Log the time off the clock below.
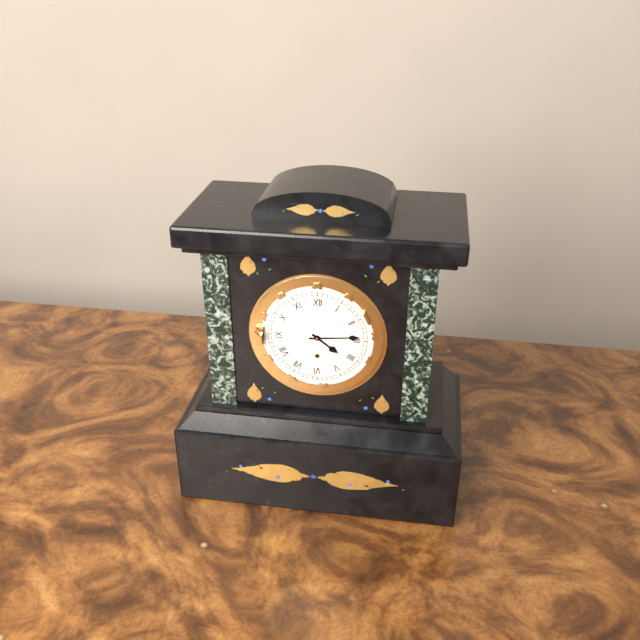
4:14
